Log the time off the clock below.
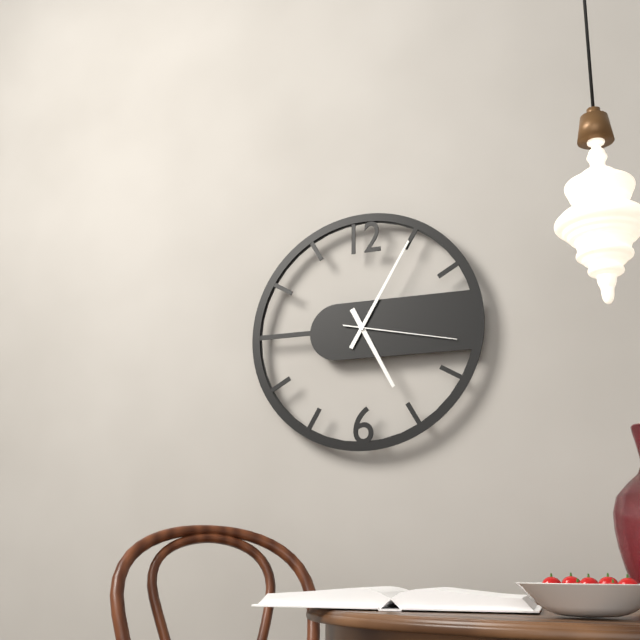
5:05:17
